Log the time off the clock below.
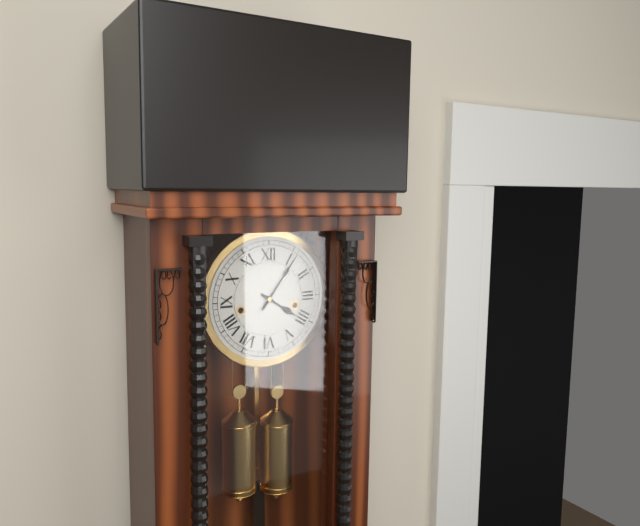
4:06
